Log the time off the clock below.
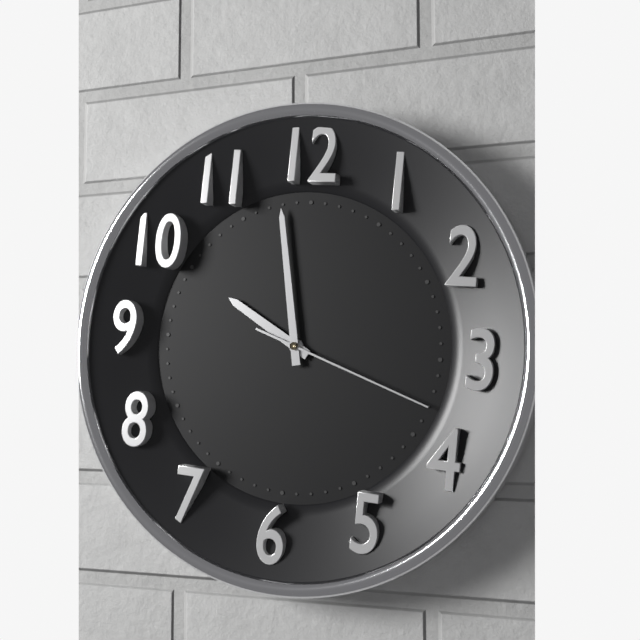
9:58:18
